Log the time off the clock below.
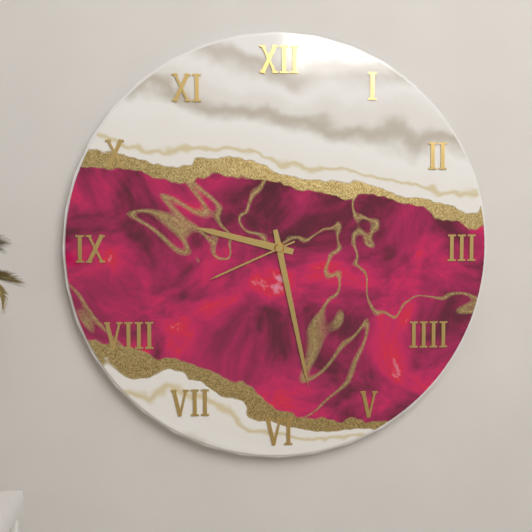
9:28:41
